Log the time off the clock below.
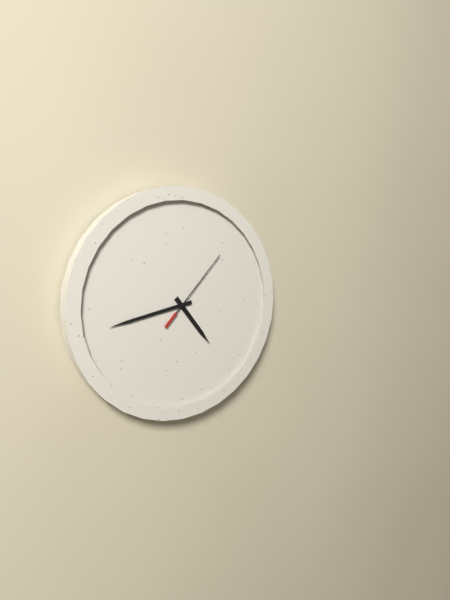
4:43:07
